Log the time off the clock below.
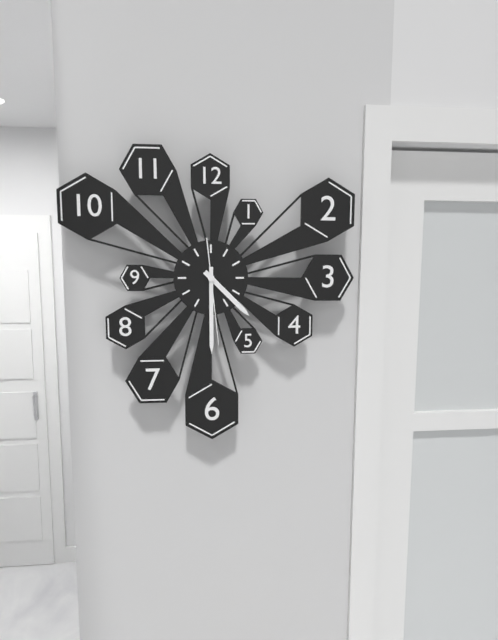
4:30:29
